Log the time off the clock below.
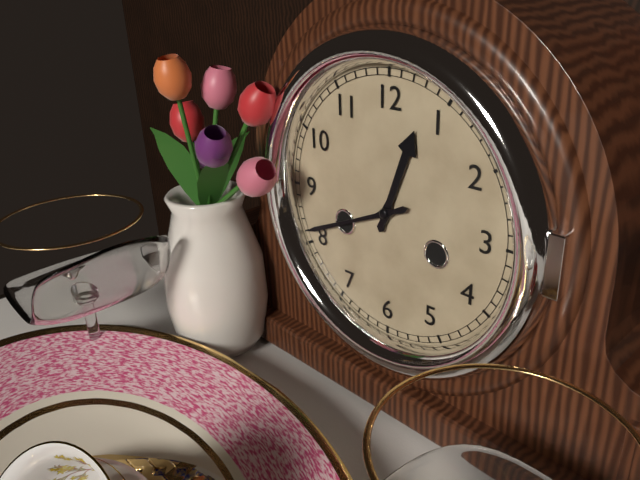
12:41
